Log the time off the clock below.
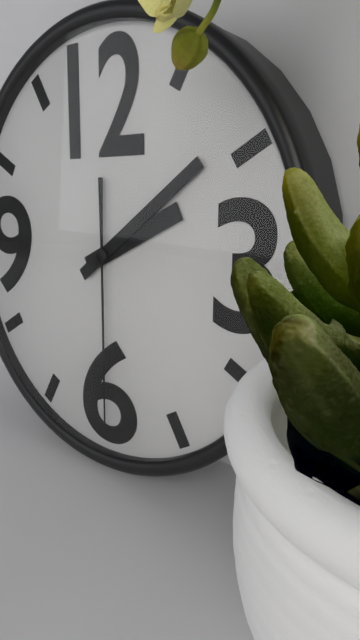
2:09:30
